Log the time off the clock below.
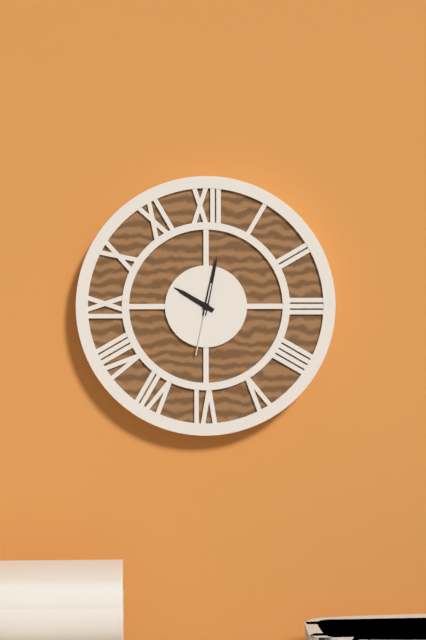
10:02:32
